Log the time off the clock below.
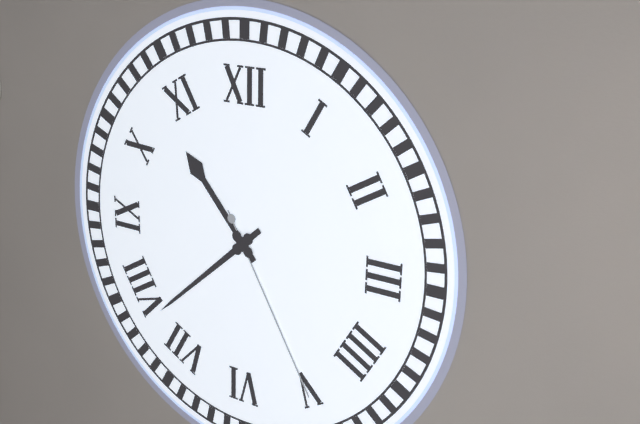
10:38:25
